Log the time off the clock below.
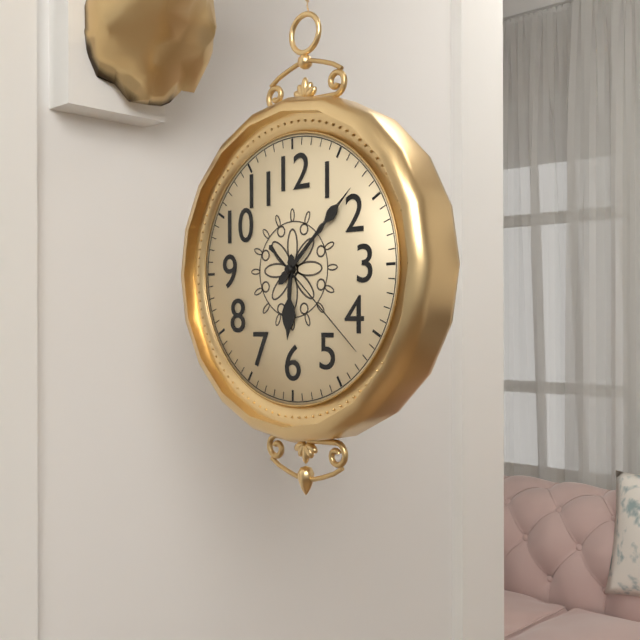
6:08:22
